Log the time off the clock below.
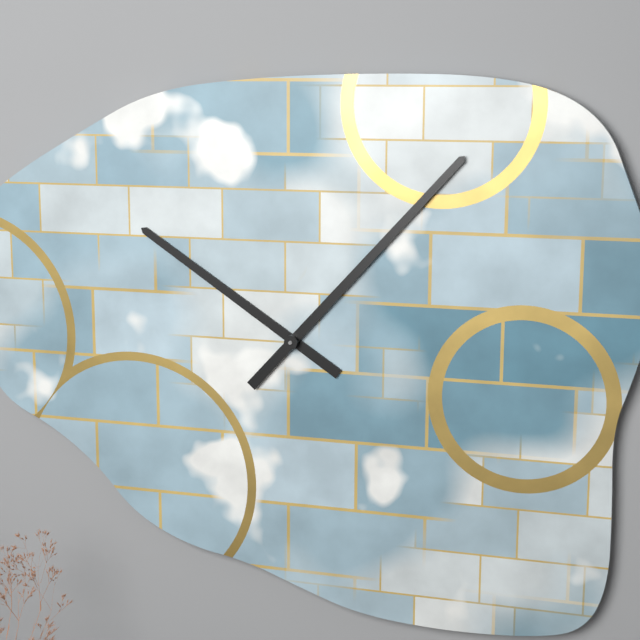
10:07
